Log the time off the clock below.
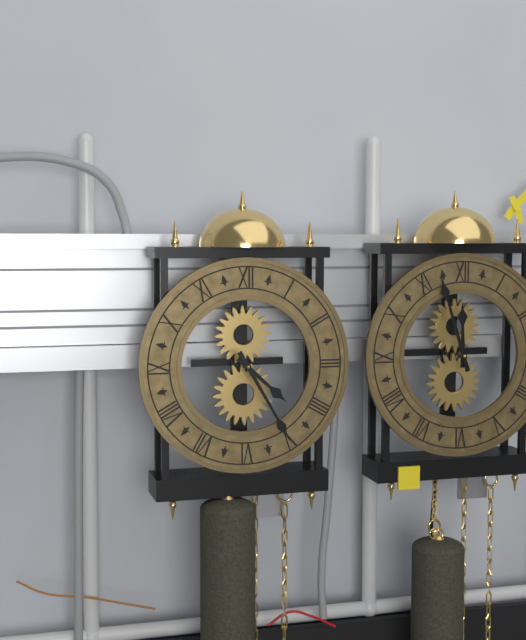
4:25
